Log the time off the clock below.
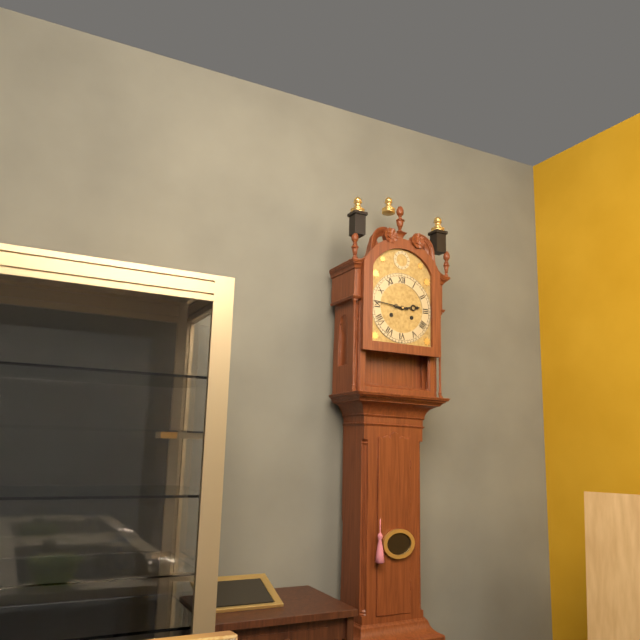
2:46
